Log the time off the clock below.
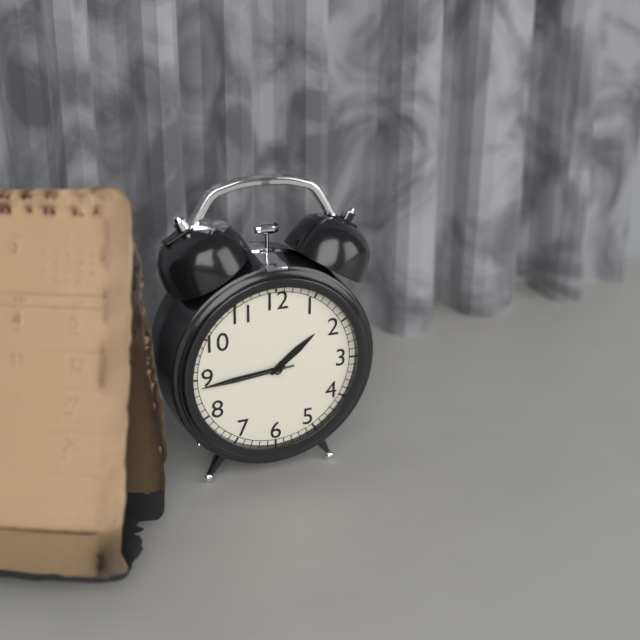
1:44:44
